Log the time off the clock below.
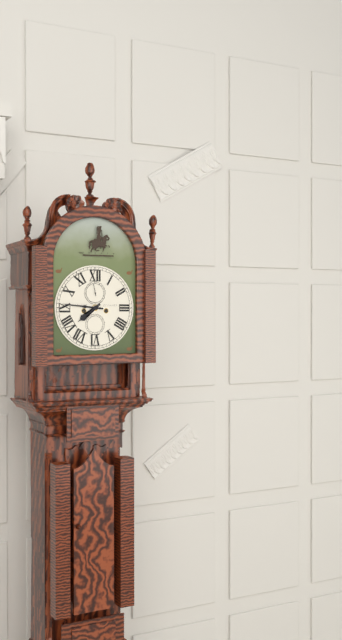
7:46
